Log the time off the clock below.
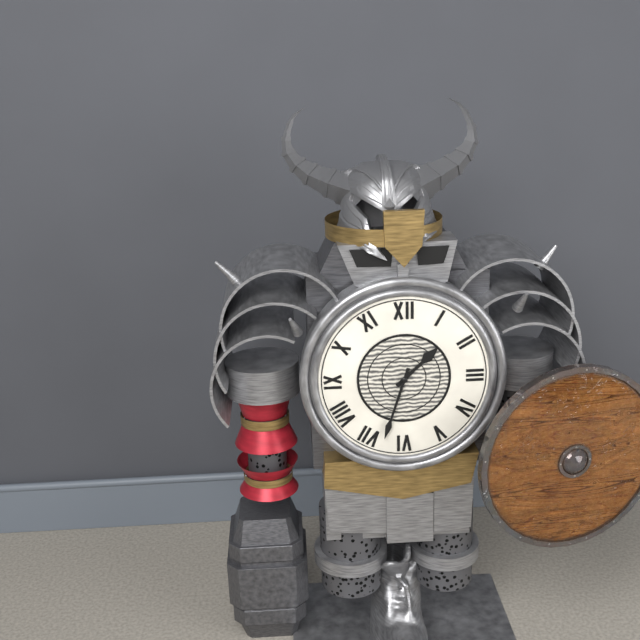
1:33
